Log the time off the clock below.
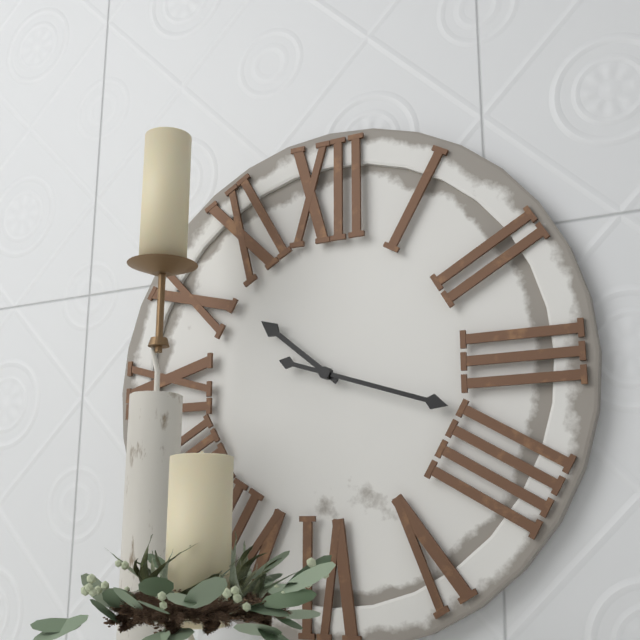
10:18
